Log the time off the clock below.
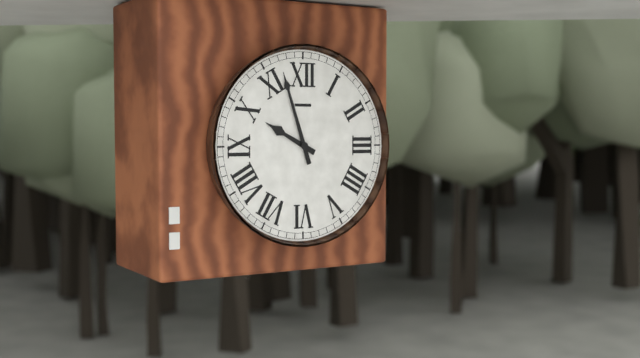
9:57
